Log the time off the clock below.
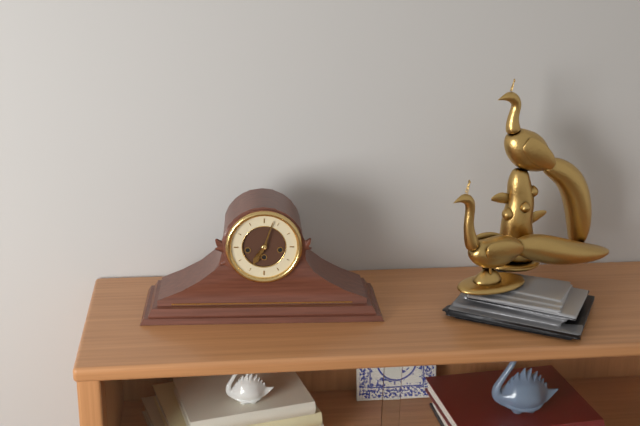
7:03
